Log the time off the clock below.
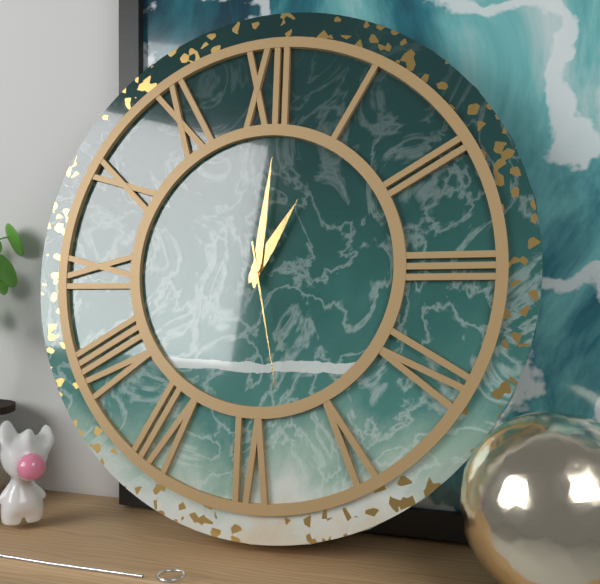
1:01:28
